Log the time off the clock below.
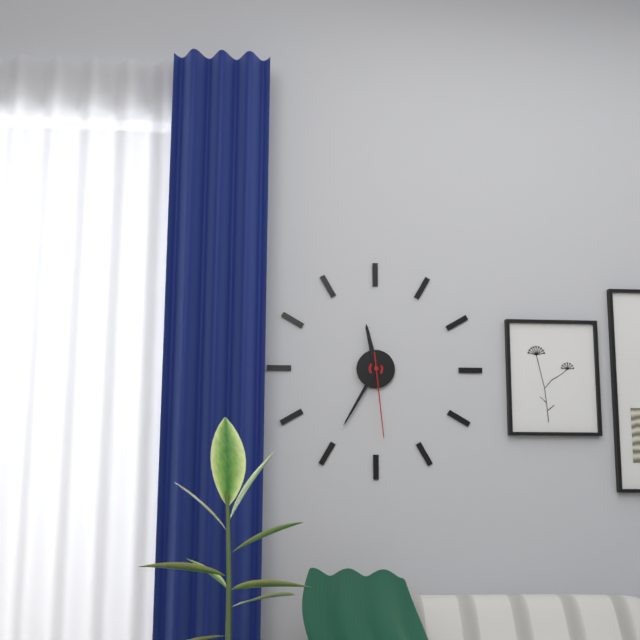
11:35:29
